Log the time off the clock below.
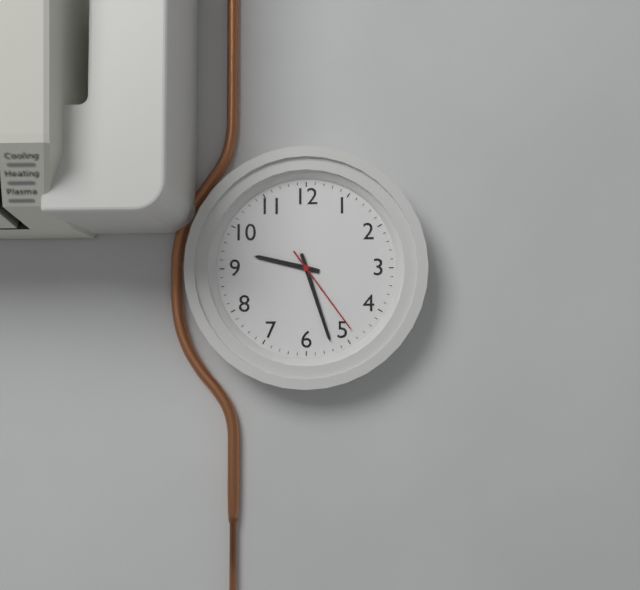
9:27:24
